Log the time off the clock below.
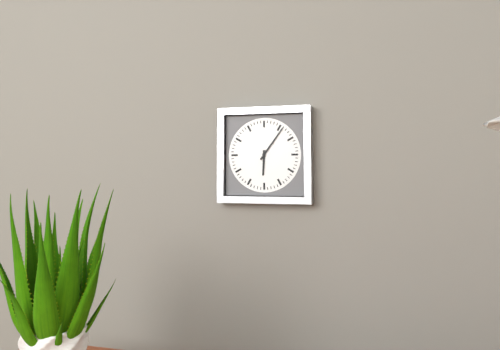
6:06
